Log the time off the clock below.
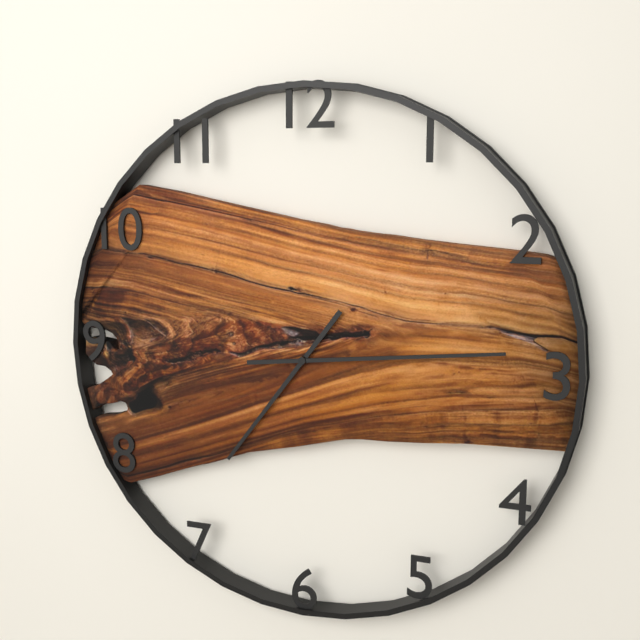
7:14
